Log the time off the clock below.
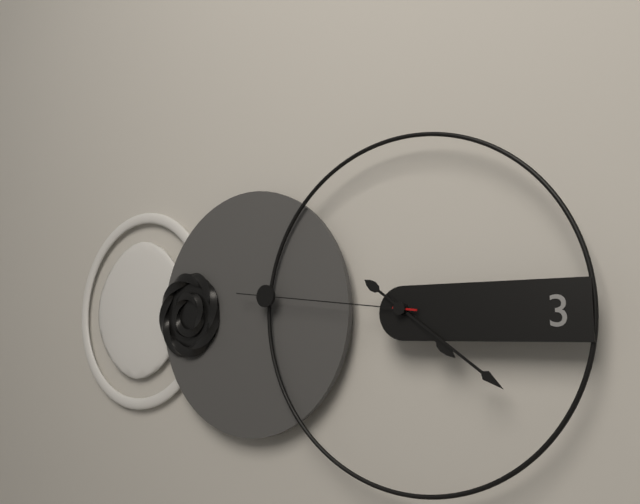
4:21:46
